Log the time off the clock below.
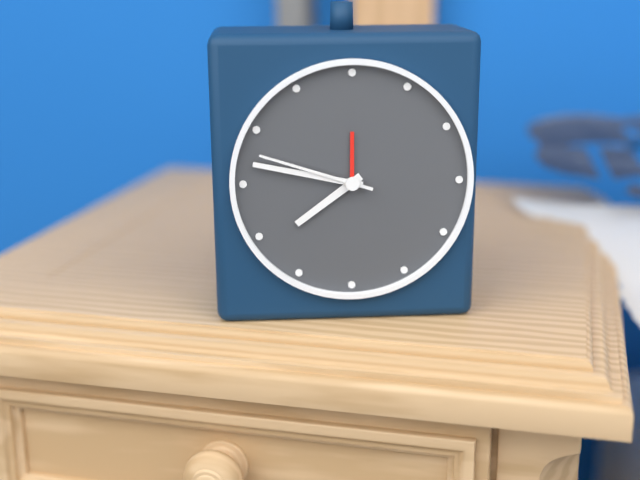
7:47:48
